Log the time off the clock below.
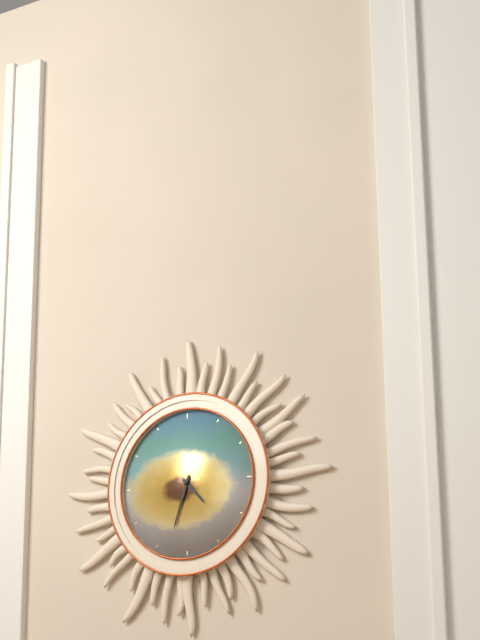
4:33
